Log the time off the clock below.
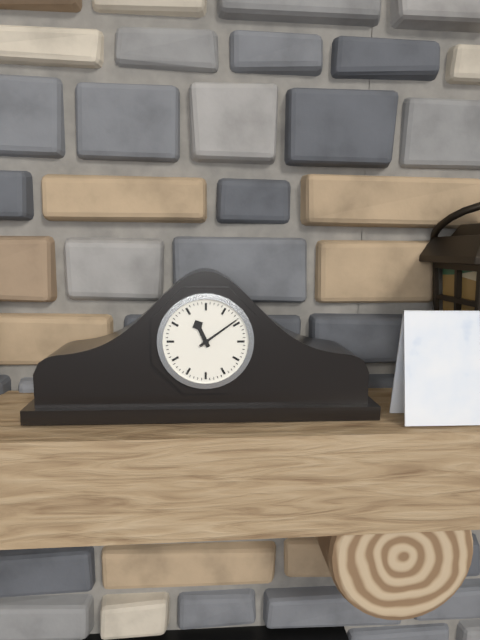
11:09
